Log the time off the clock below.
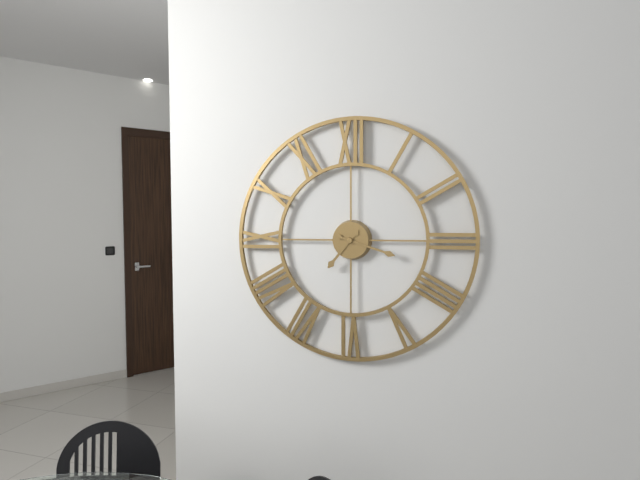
7:18
